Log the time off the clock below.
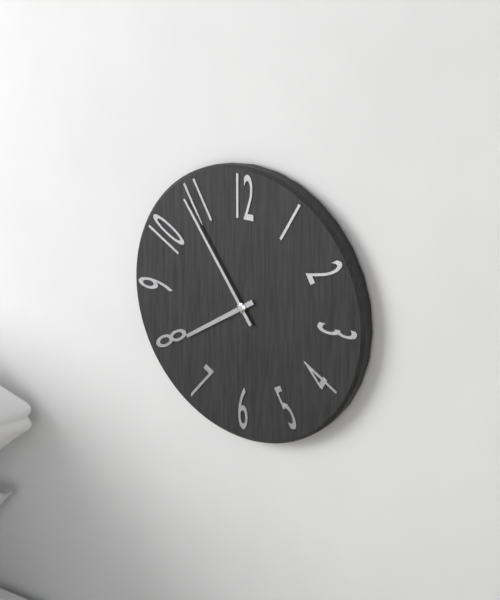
7:54
